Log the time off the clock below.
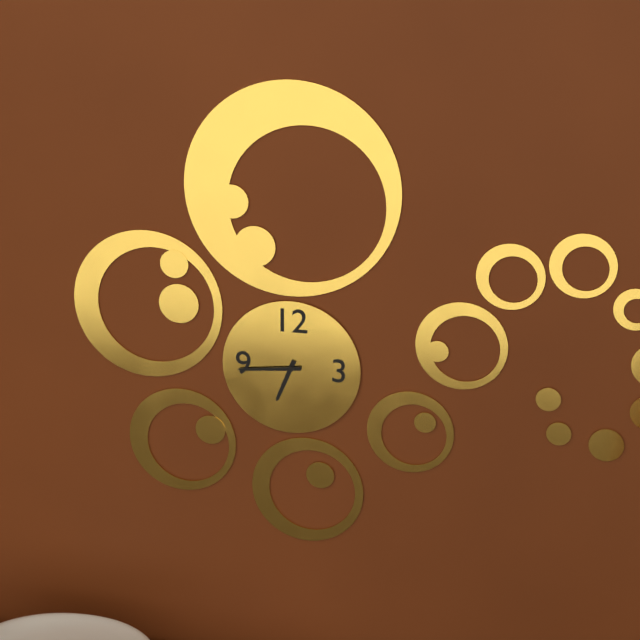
6:44
